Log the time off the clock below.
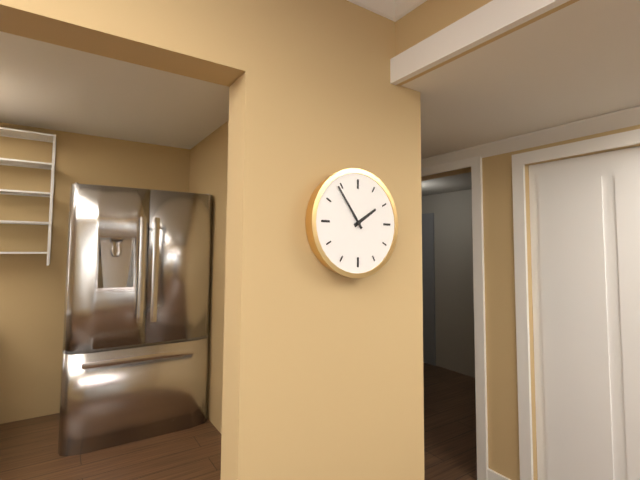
1:54
